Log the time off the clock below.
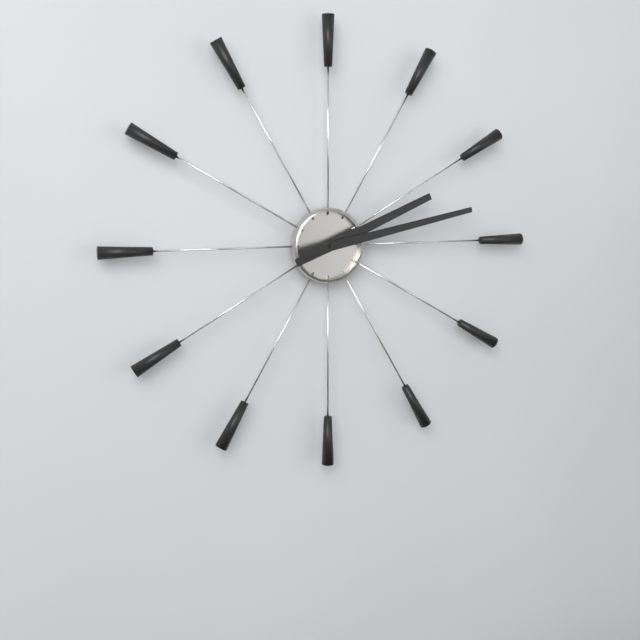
2:13
